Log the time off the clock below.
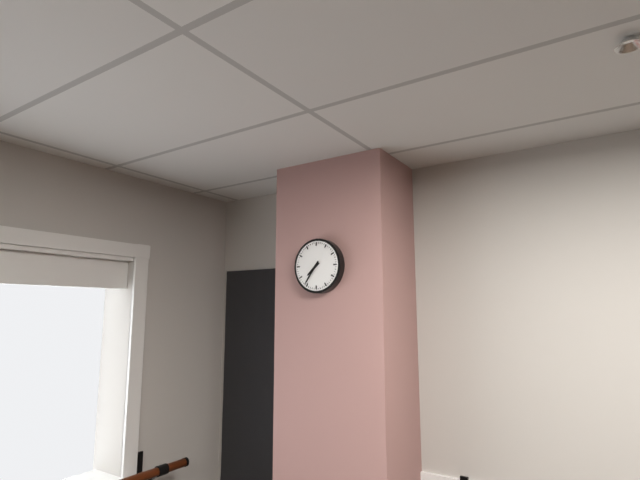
7:36
